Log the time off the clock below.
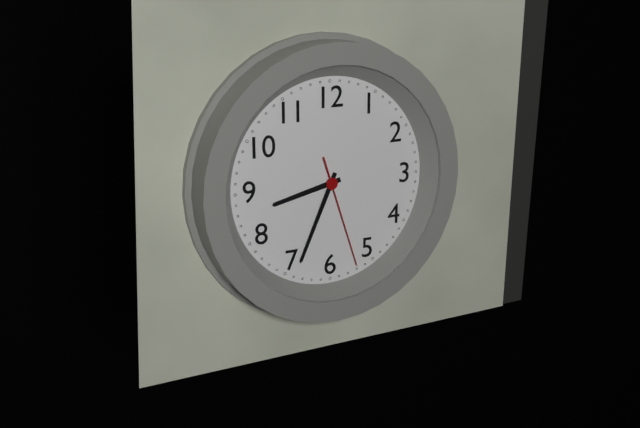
8:34:27
